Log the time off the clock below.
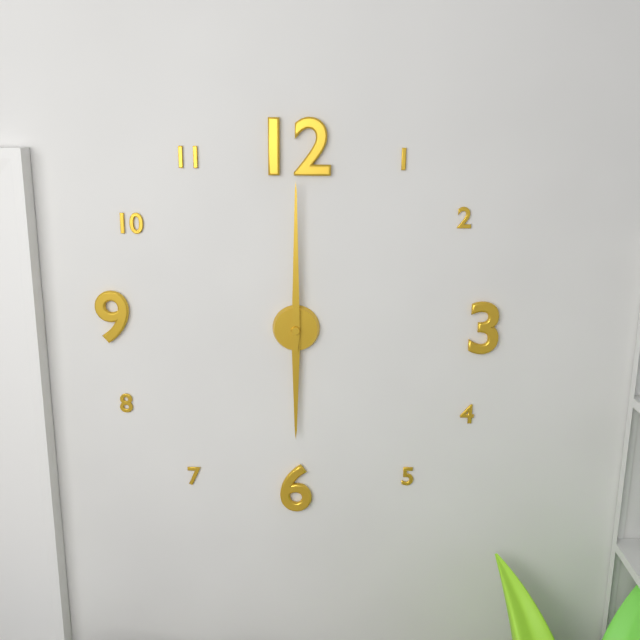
6:00
